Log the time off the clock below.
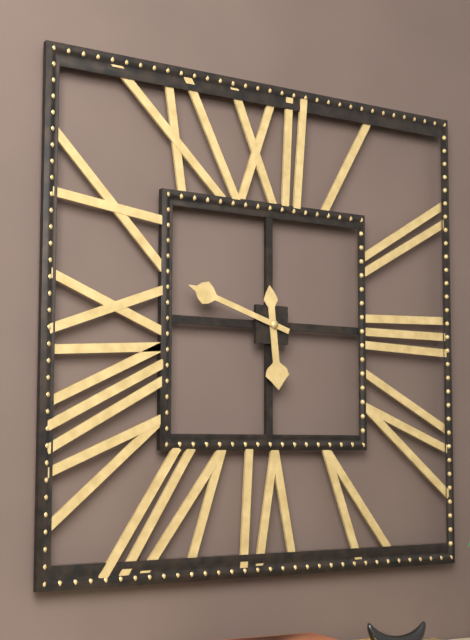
5:48
